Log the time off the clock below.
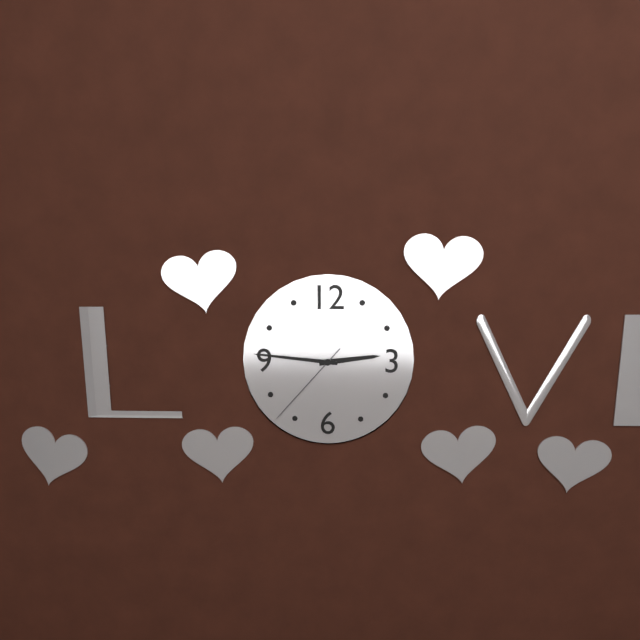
2:46:37
